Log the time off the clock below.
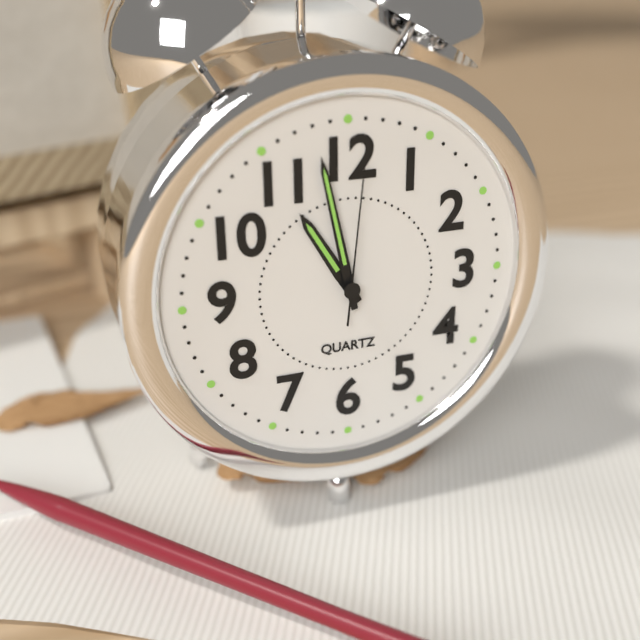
10:58:01
